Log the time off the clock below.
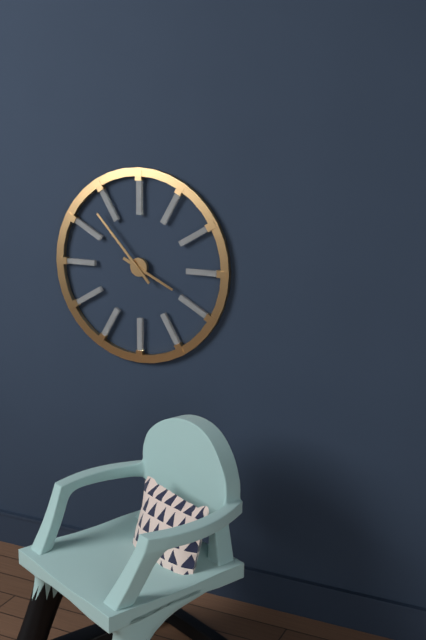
3:53
